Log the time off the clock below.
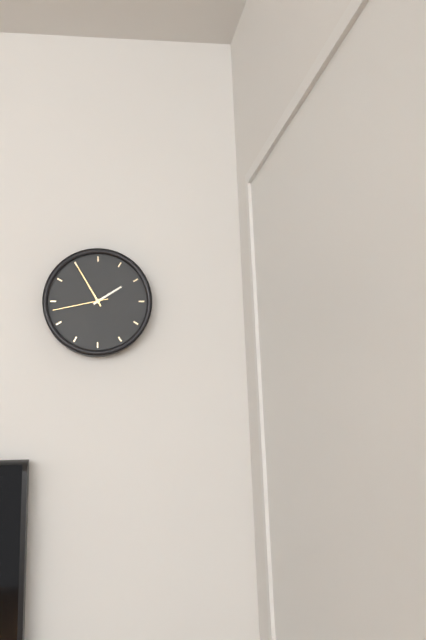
1:55:43
